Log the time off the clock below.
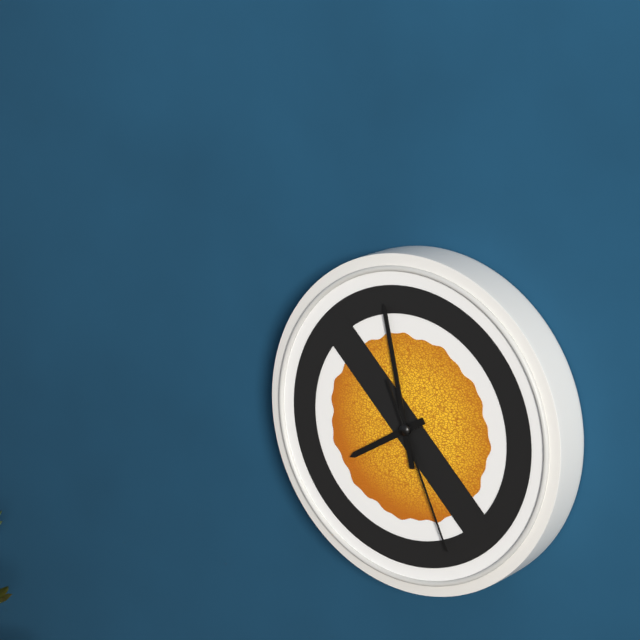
7:58:26
